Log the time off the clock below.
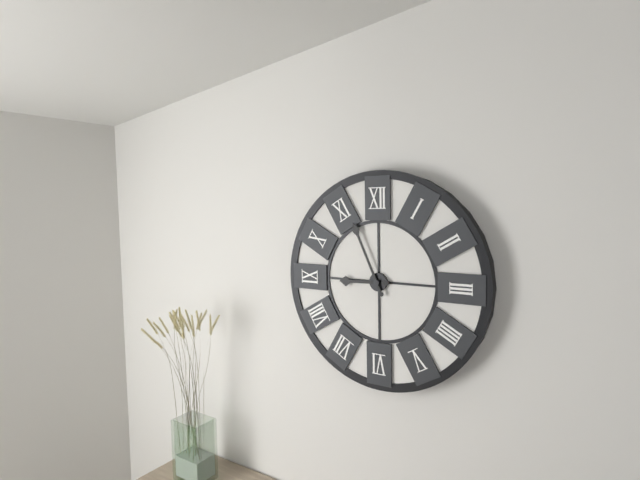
8:56
